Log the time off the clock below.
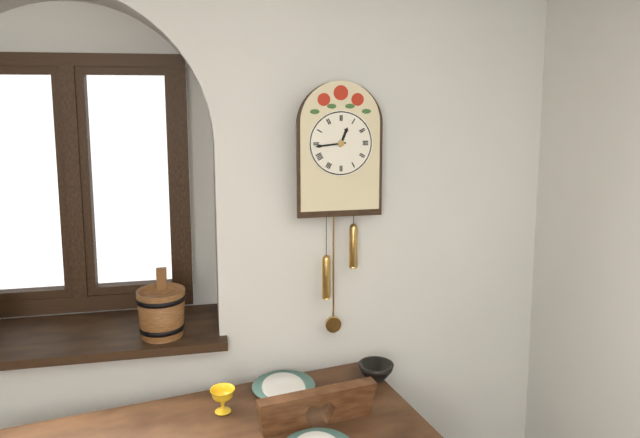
12:44
